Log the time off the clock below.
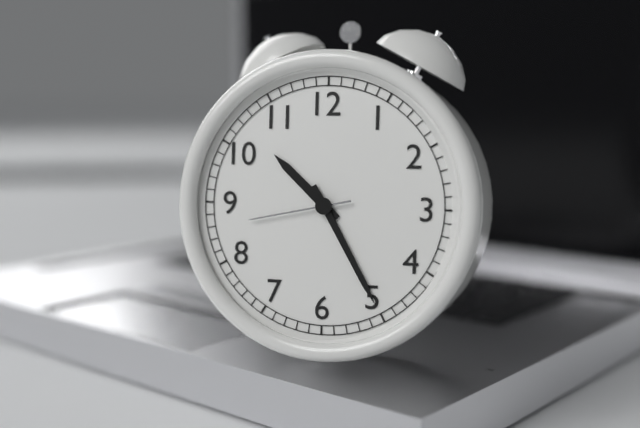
10:25:43
